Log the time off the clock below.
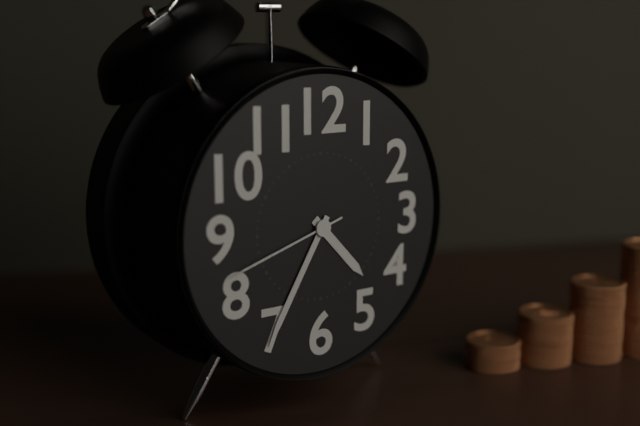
4:35:42
